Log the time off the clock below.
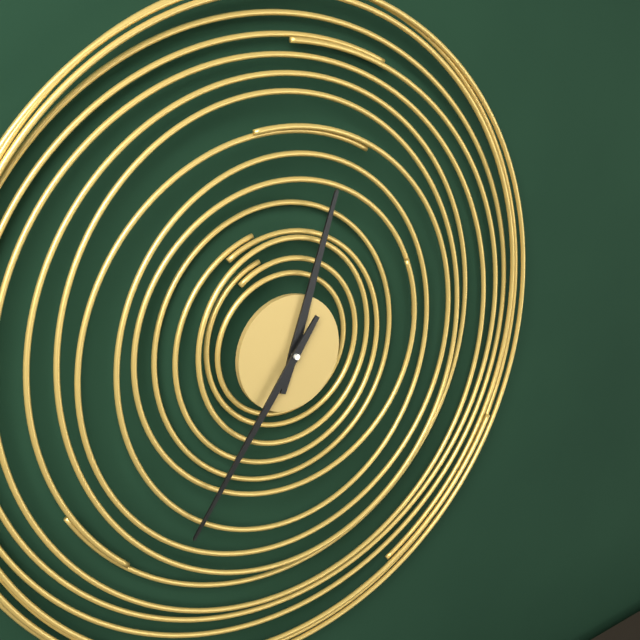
12:36
